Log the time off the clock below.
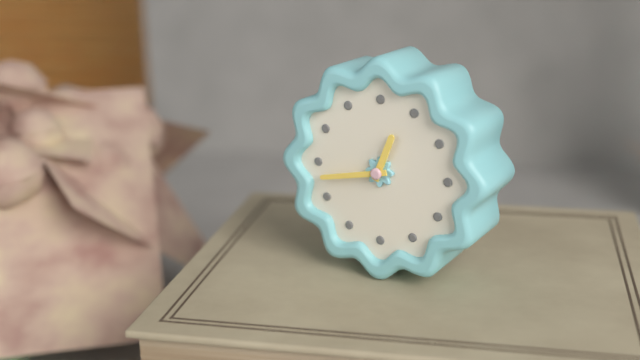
12:43
